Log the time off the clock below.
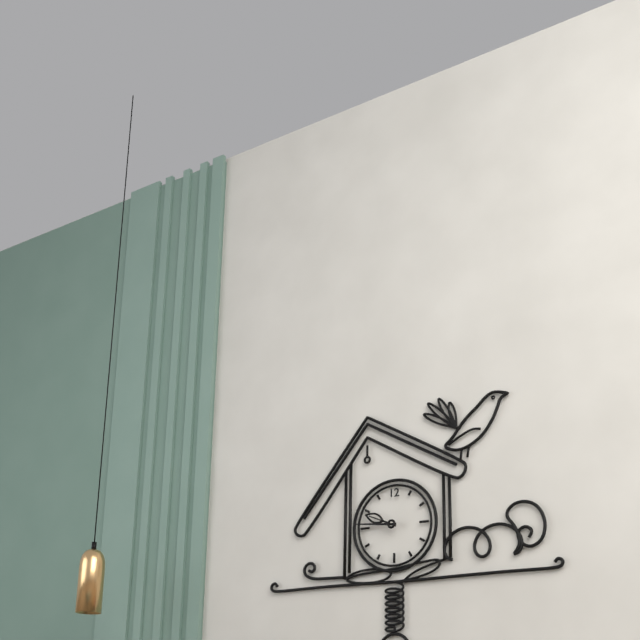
9:46
